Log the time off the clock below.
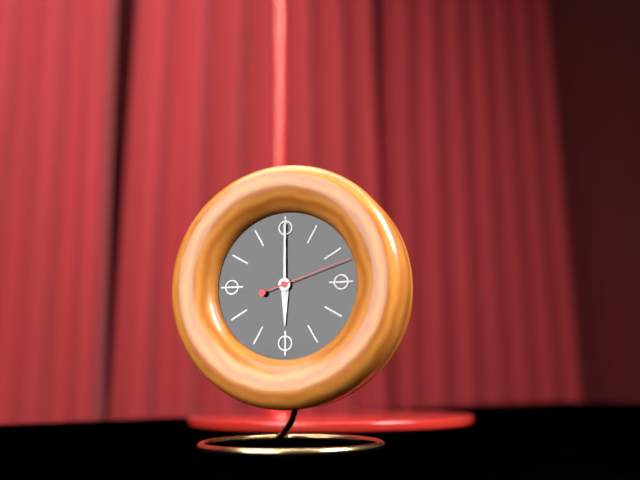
6:00:12
